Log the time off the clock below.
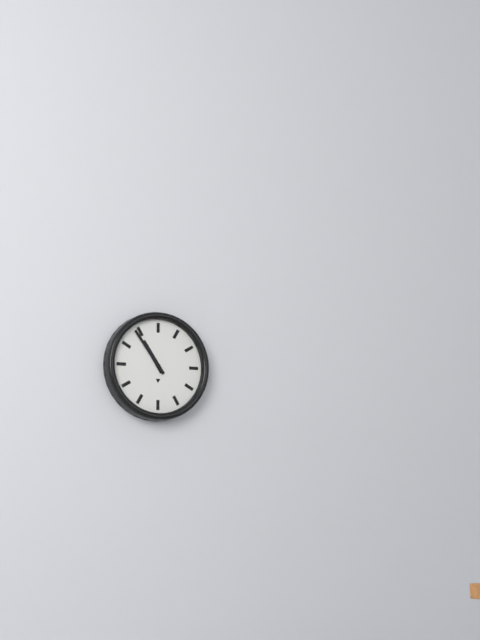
10:54
